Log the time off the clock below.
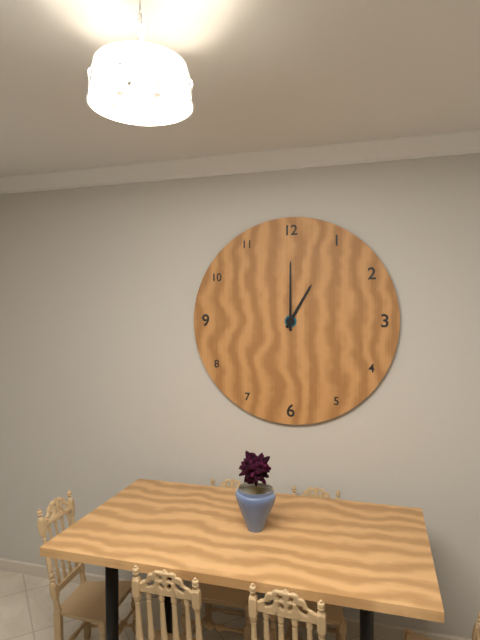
1:00
